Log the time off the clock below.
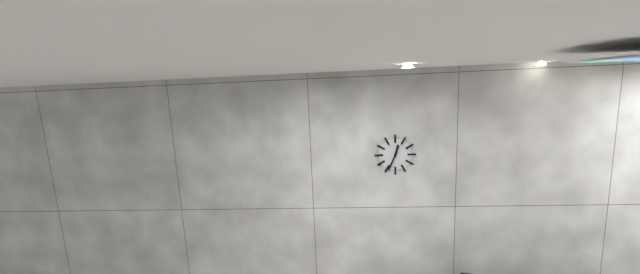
12:34
